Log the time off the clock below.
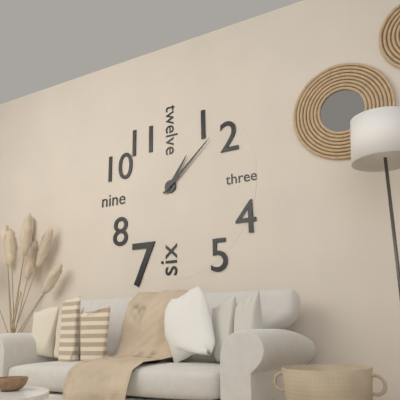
1:08
